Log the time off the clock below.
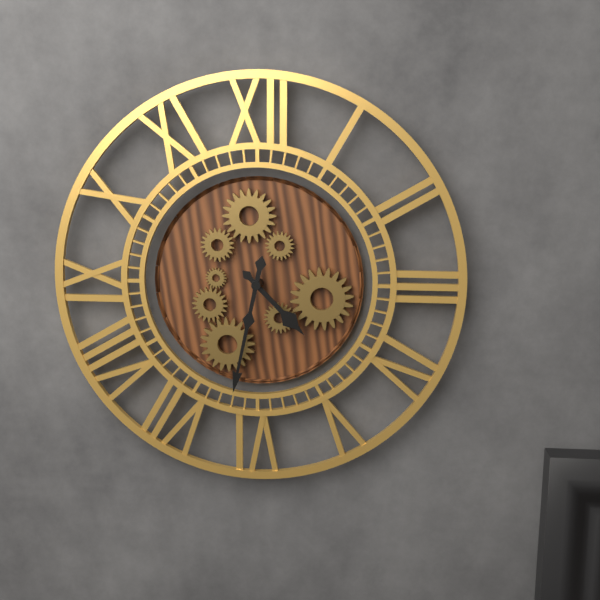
4:32
